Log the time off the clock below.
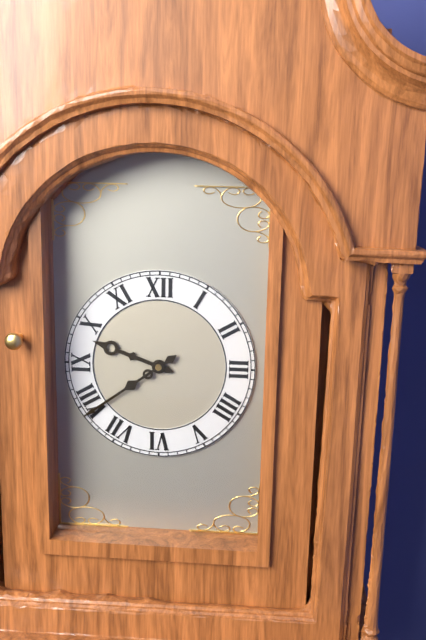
9:39
